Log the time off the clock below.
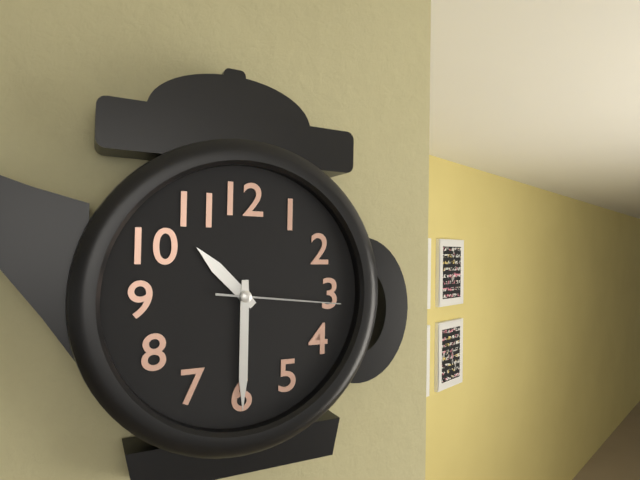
10:30:16
